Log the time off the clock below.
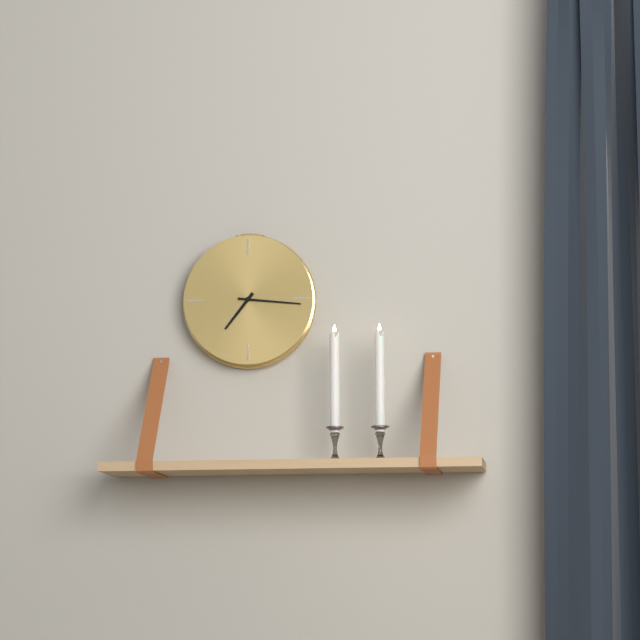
7:16
